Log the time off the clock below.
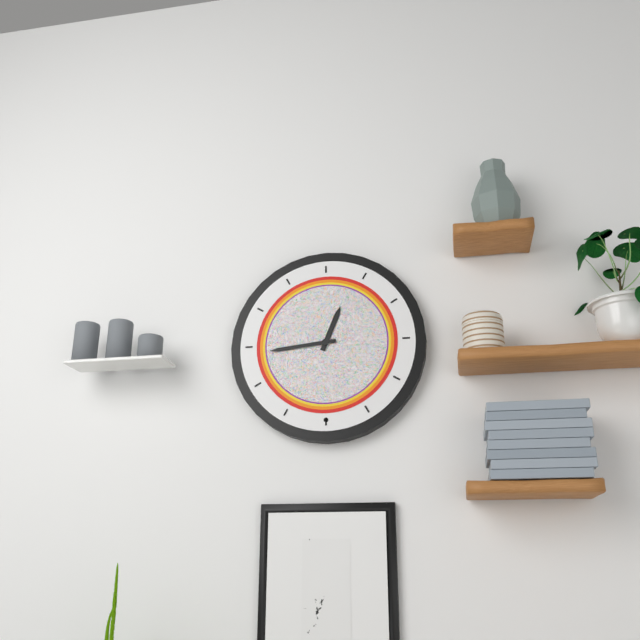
12:44
